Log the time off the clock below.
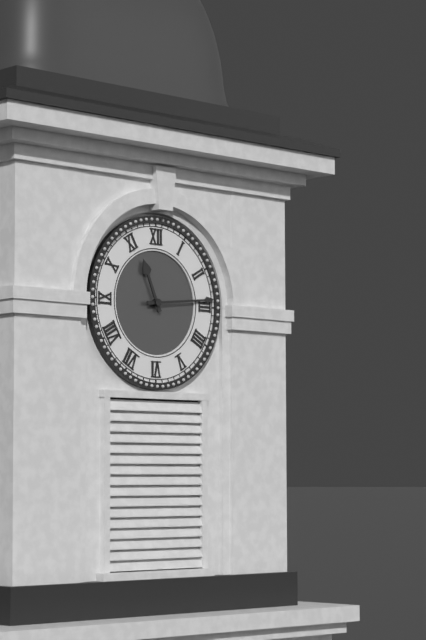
11:14
